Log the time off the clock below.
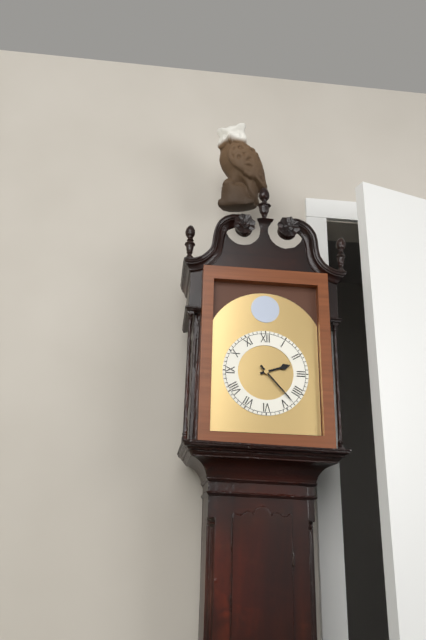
2:23
